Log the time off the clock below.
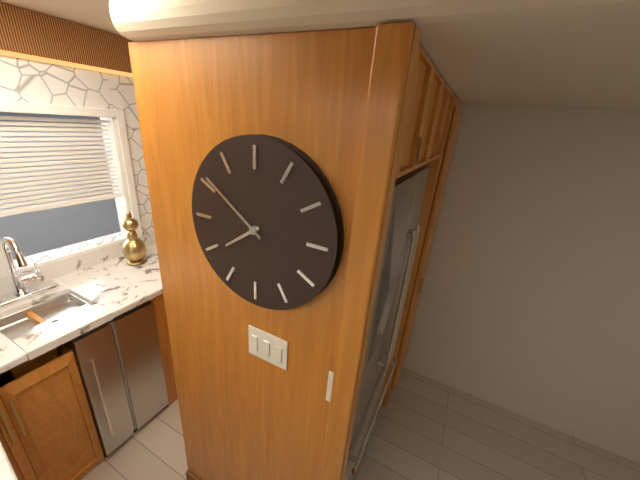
7:51
